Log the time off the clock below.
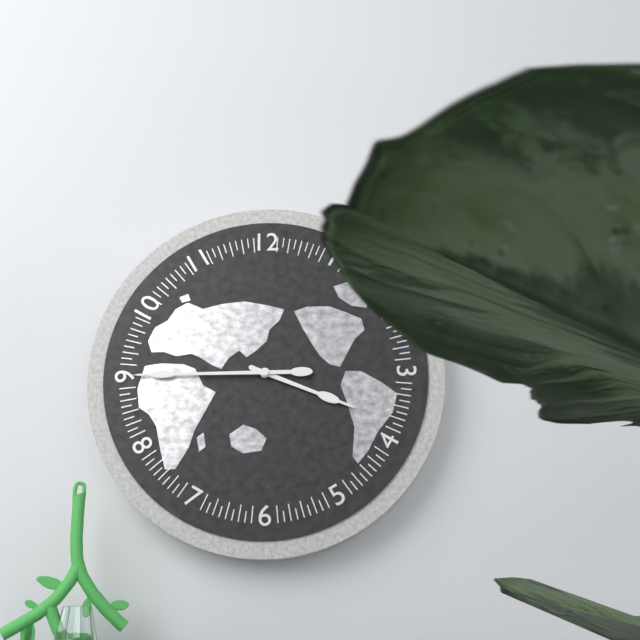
3:45
